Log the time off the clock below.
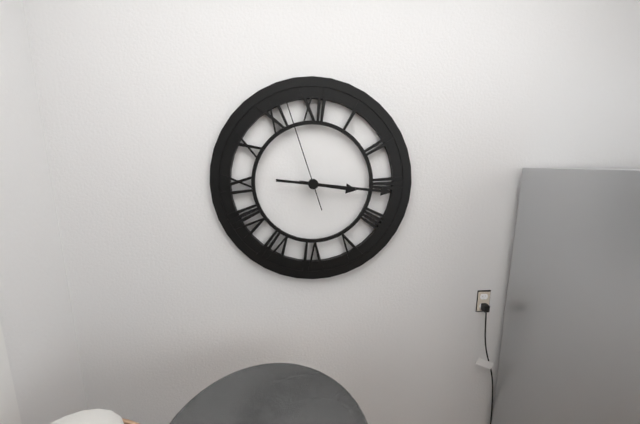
3:16:57
